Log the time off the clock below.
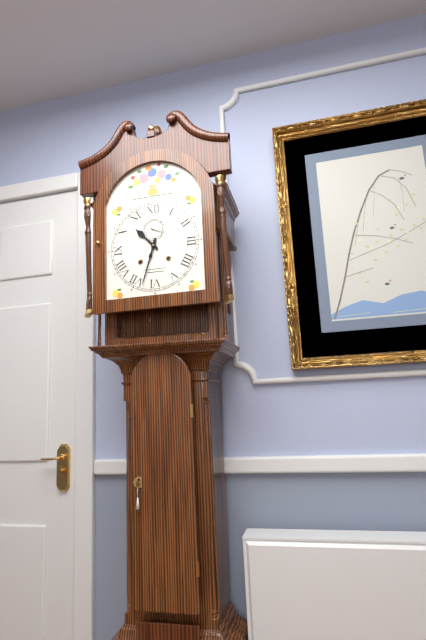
10:33
